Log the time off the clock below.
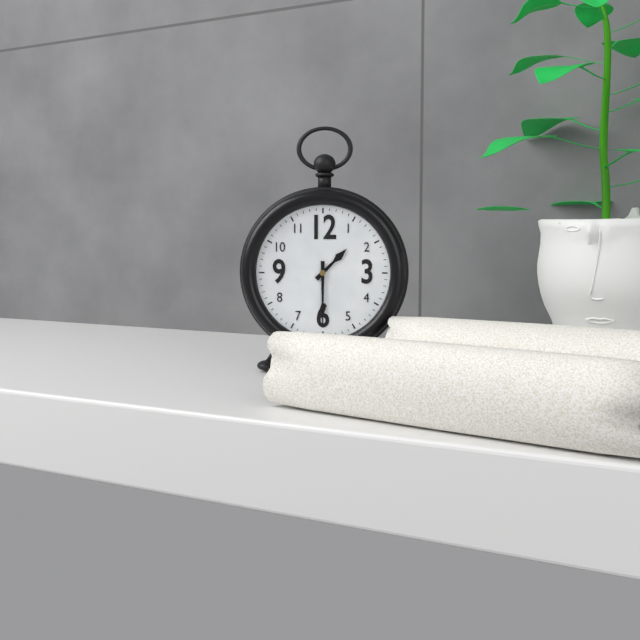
1:30
